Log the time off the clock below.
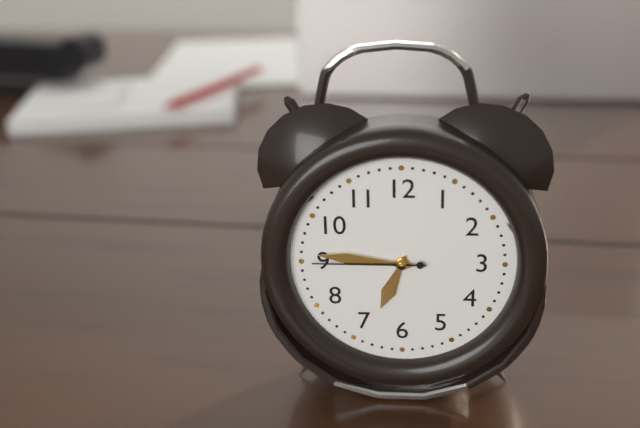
6:46:45
